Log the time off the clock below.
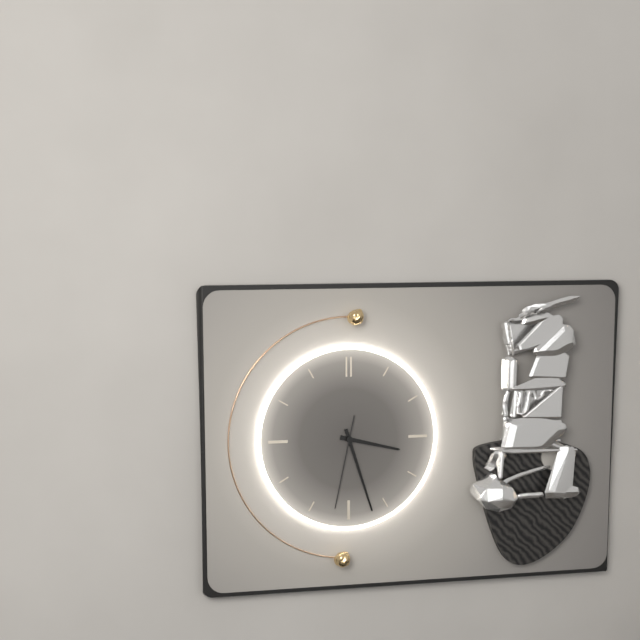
3:27:32
